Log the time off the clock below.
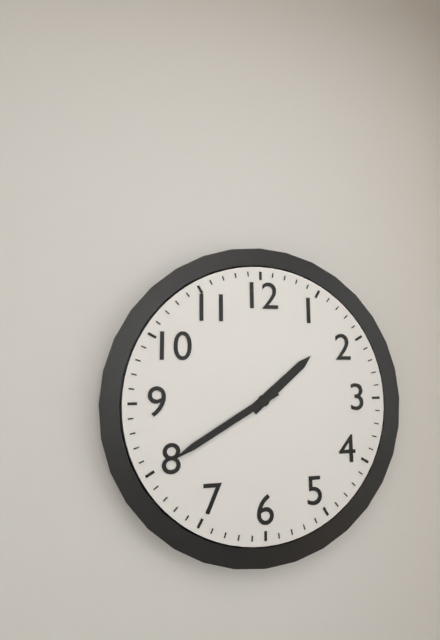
1:40
